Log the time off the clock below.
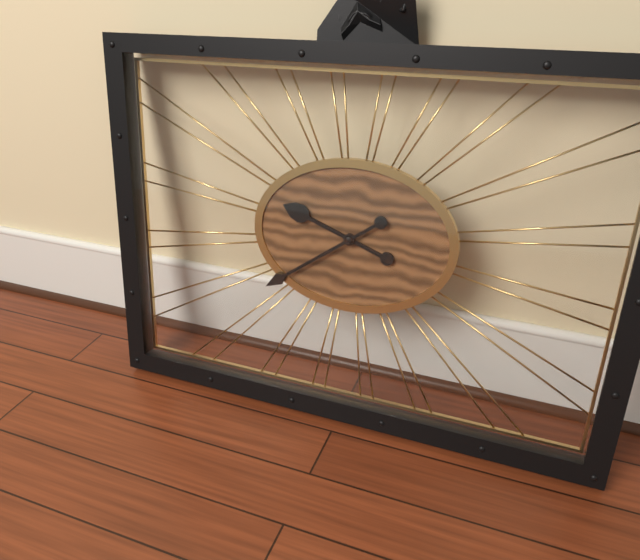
9:39
